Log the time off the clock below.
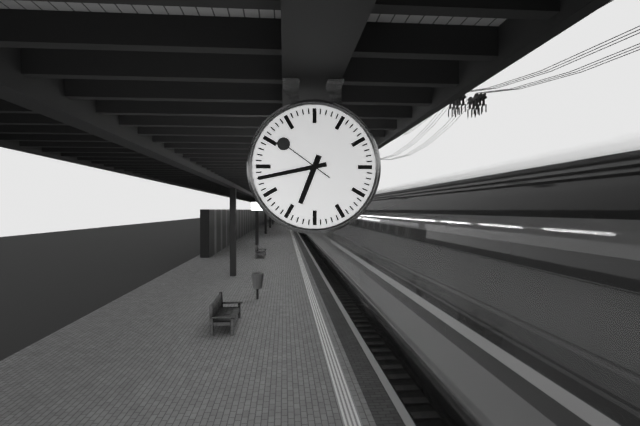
6:43:51
